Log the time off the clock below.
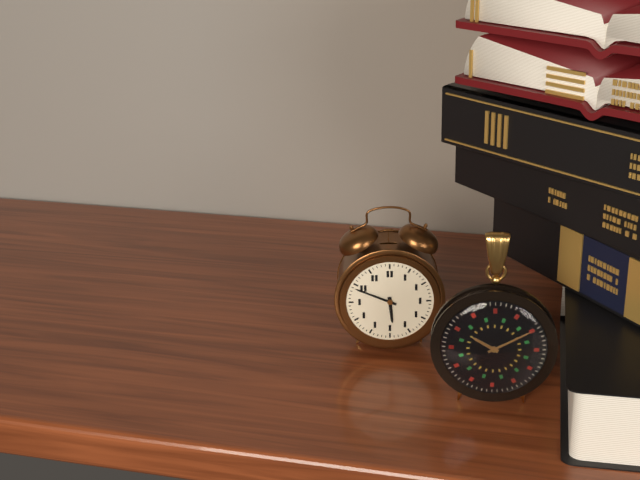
5:49
